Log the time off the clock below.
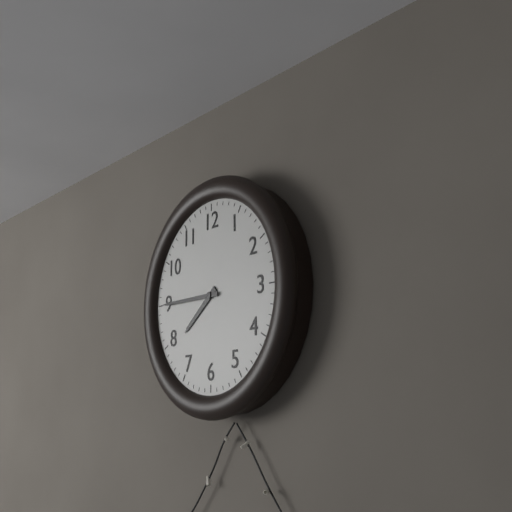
7:45
